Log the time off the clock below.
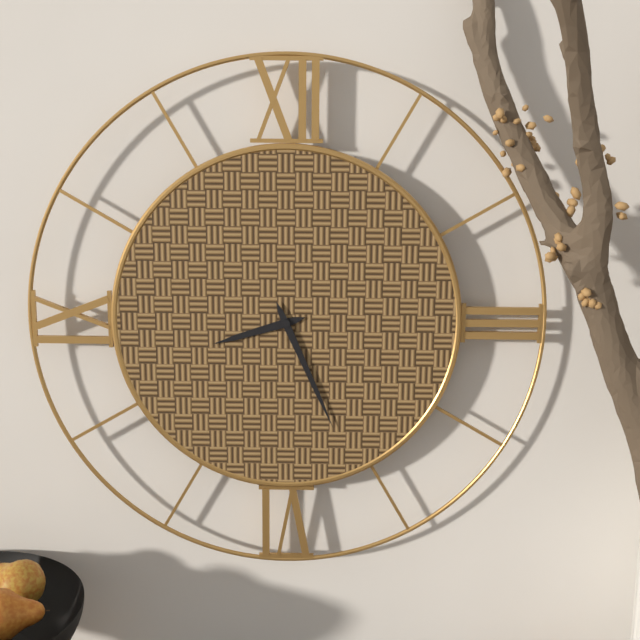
8:26
